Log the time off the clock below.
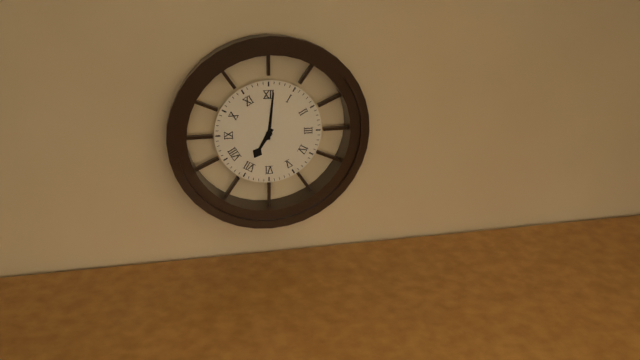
7:01
